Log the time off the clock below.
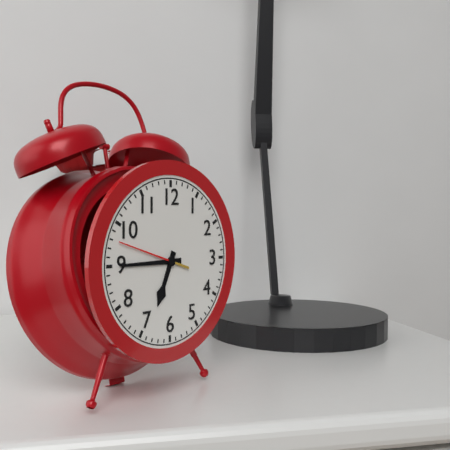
6:45:48
